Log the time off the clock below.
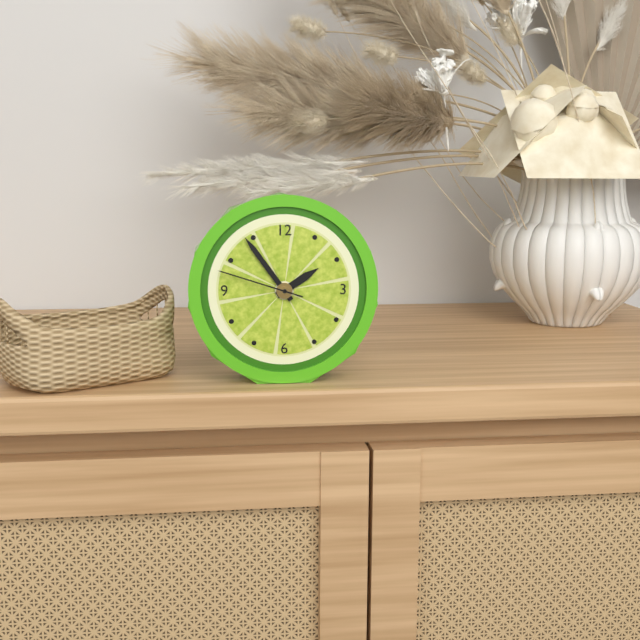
1:54:48
